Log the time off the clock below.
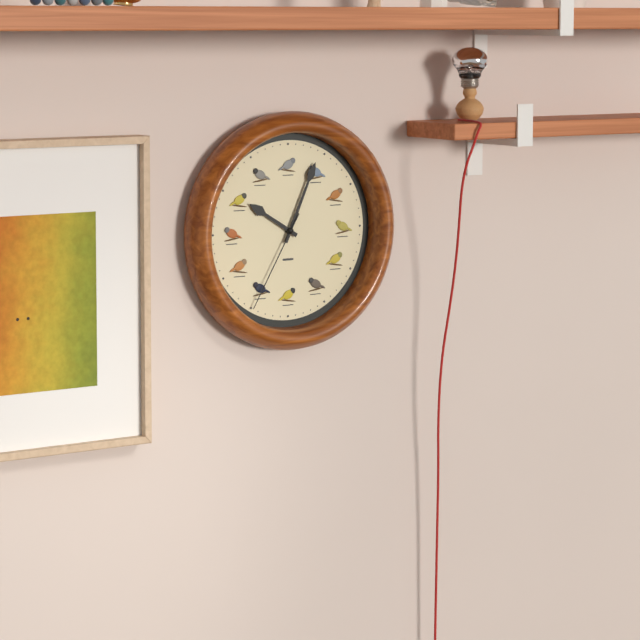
10:04:35
